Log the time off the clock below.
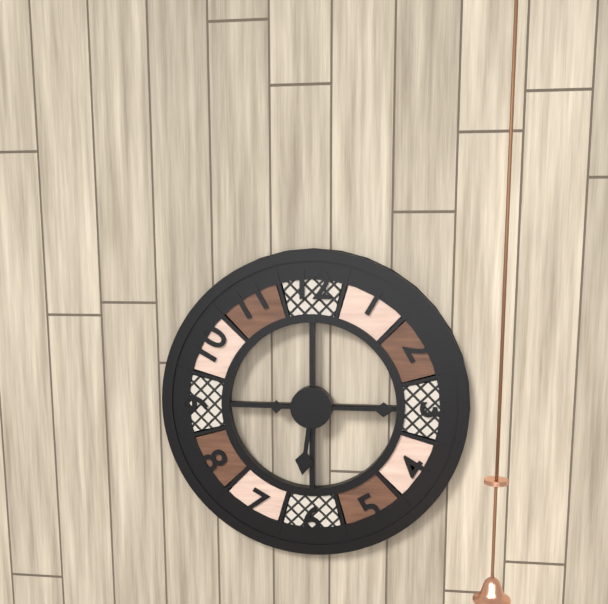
6:15
